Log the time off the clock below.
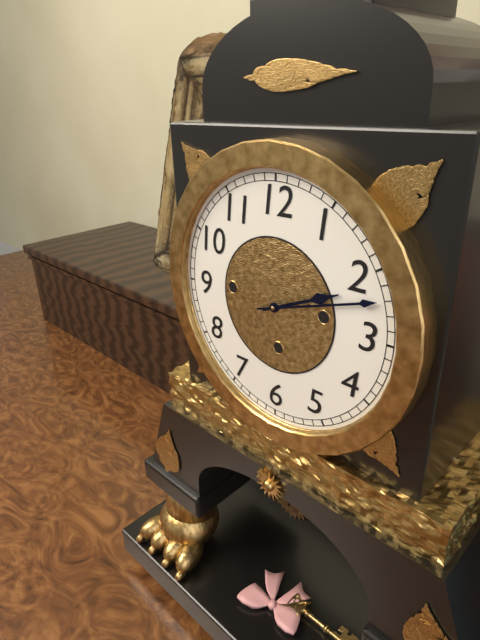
2:12
